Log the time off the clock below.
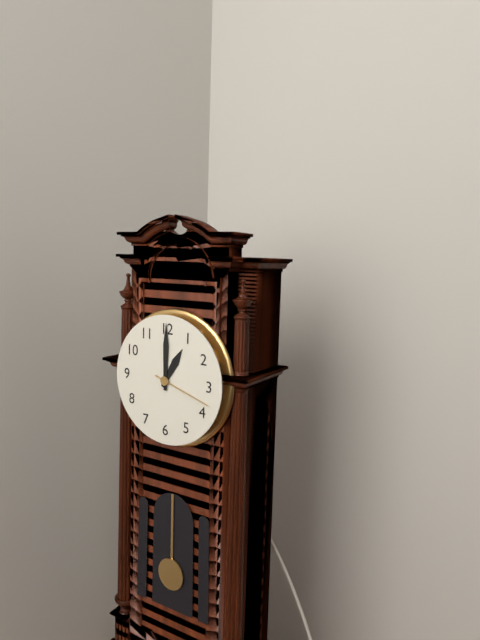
1:00:18
